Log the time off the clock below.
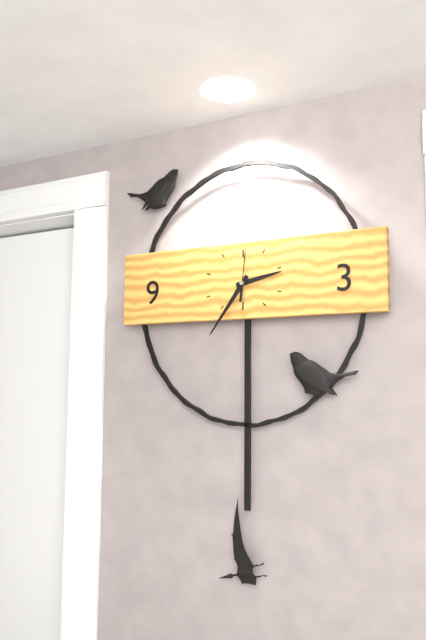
2:36
